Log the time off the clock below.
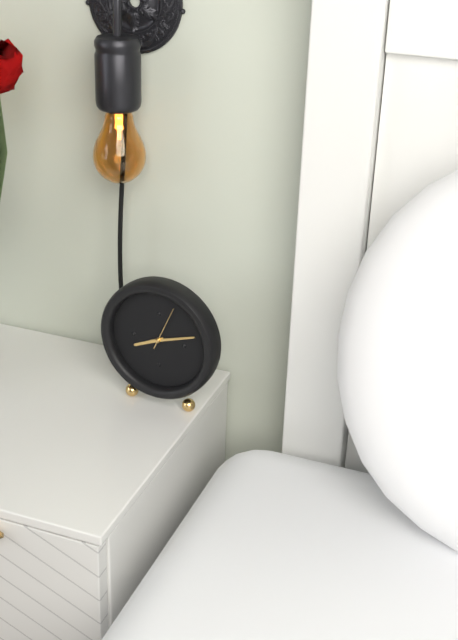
8:12
